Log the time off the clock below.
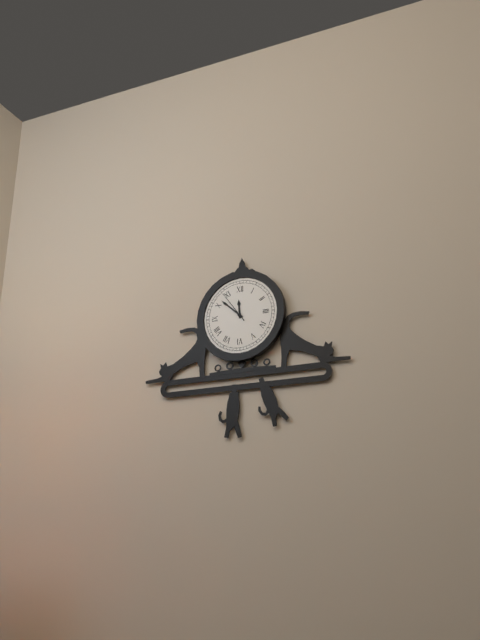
11:52
